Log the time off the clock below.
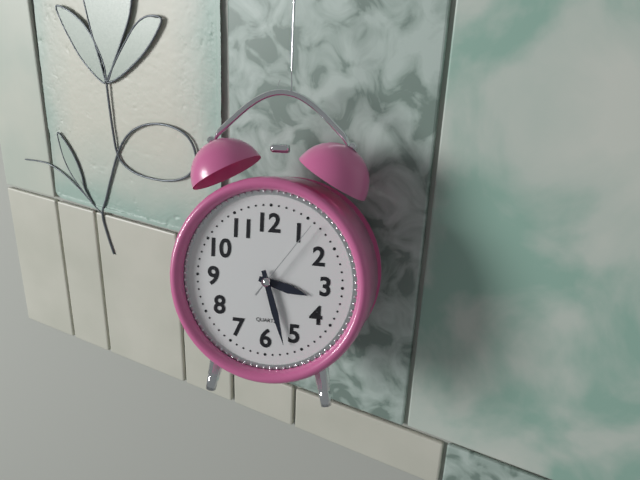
3:27:06
